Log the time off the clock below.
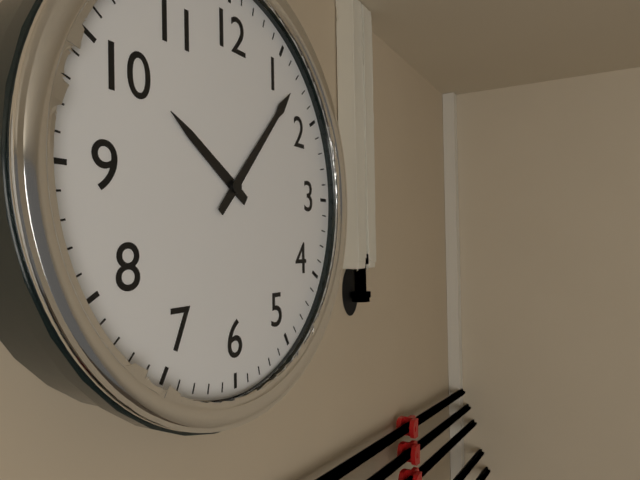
10:07
